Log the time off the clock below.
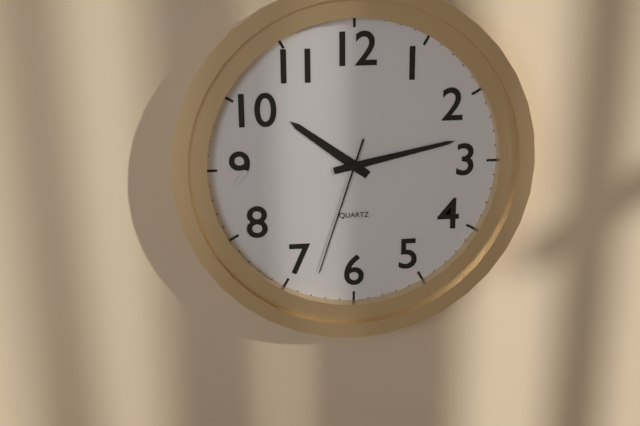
10:13:33
